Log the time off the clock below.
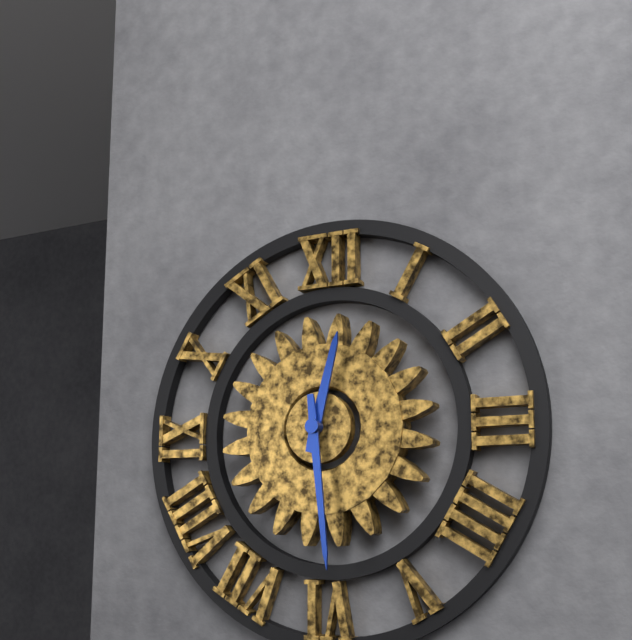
12:29
